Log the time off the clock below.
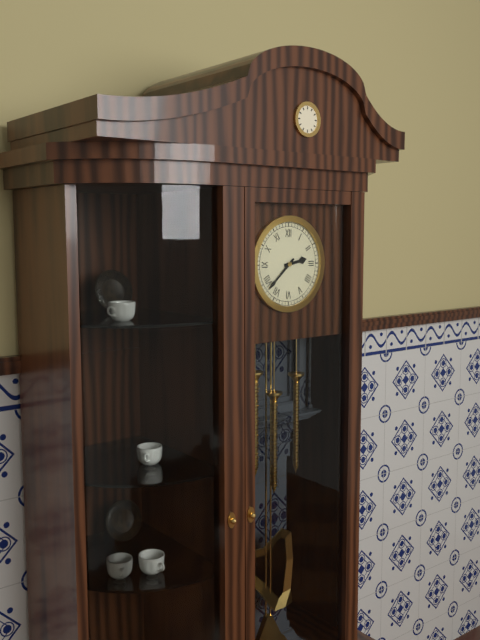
2:38
